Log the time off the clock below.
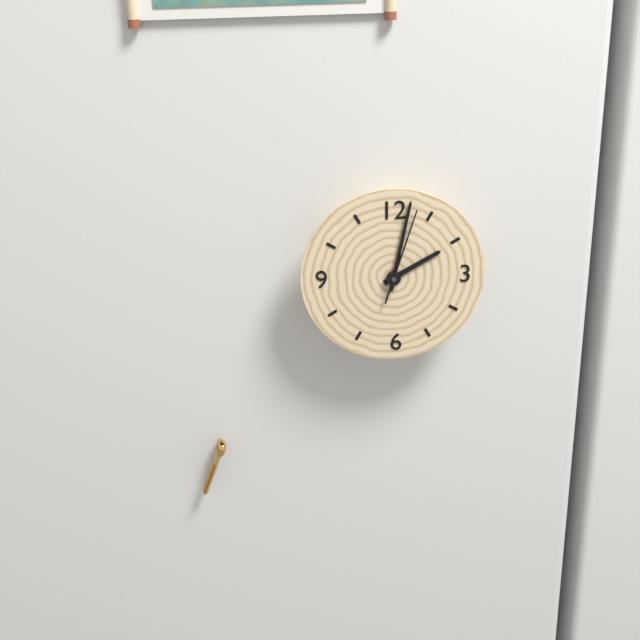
2:02:03
